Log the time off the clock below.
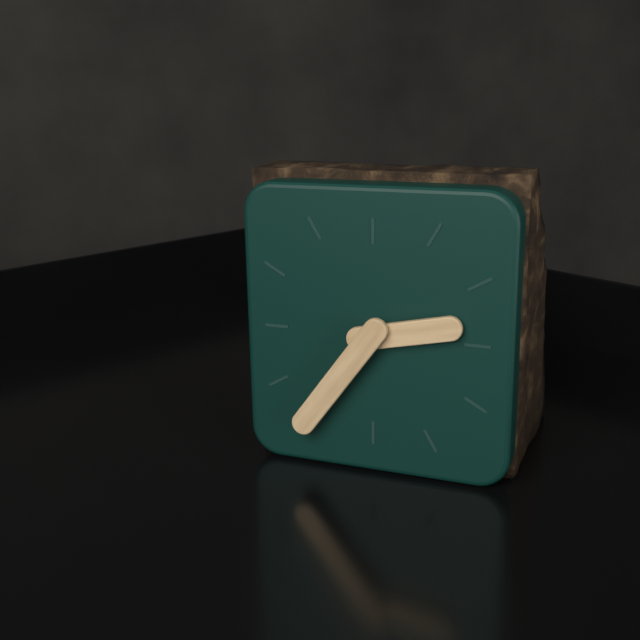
2:36
